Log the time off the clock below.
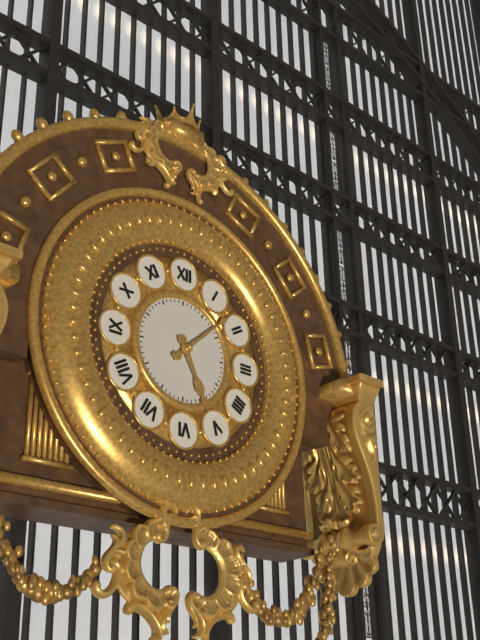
5:08
